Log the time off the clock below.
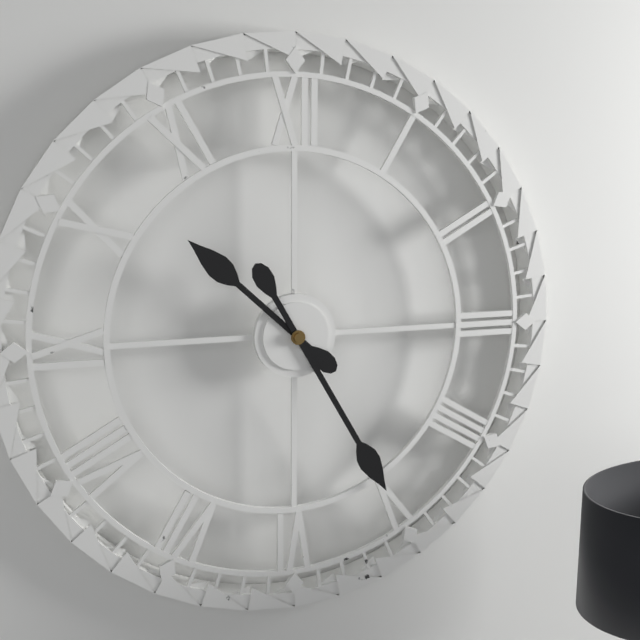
10:25
